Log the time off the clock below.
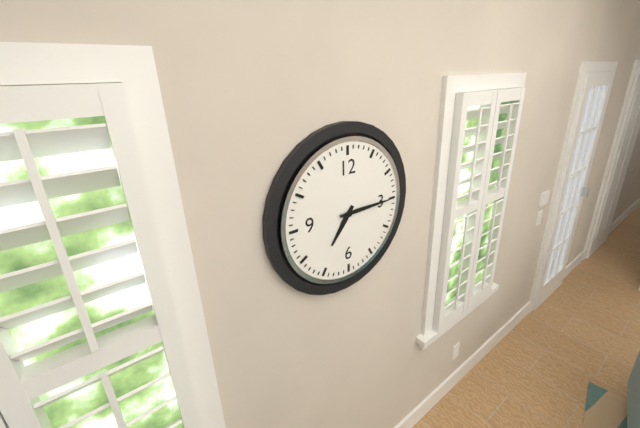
7:15
